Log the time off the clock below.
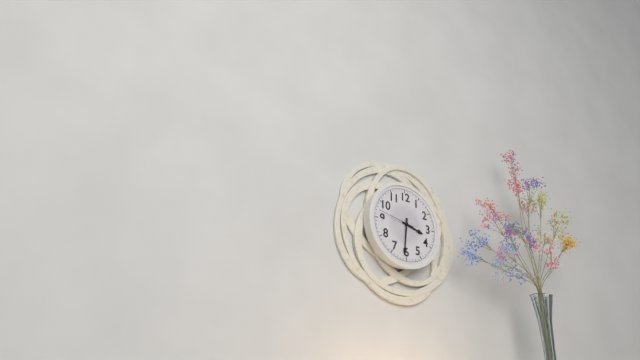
3:31
